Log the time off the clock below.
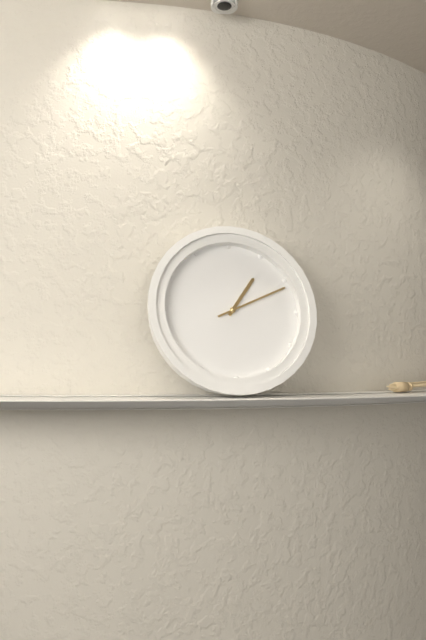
1:11
